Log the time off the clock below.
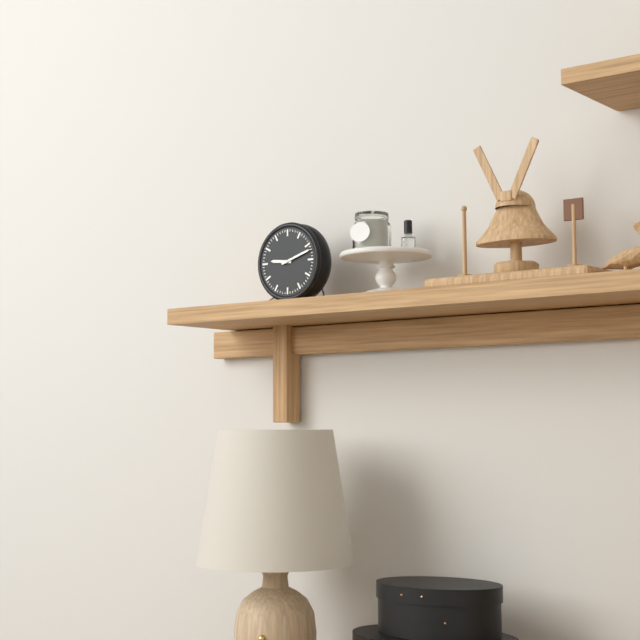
9:12
